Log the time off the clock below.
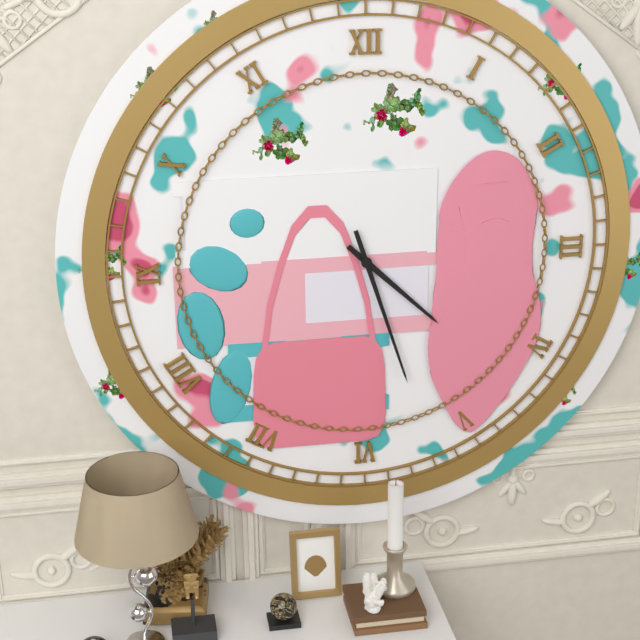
4:27
